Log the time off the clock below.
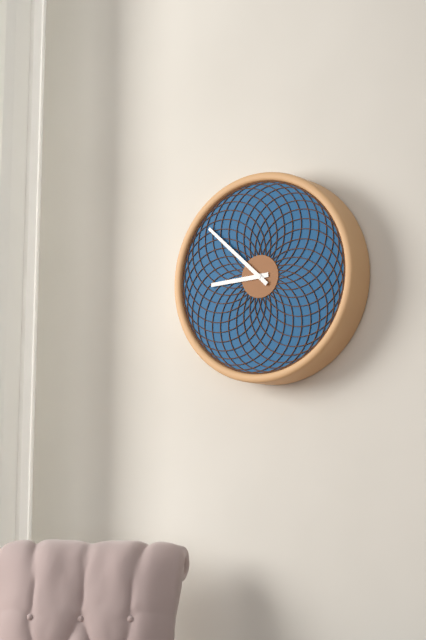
8:52
